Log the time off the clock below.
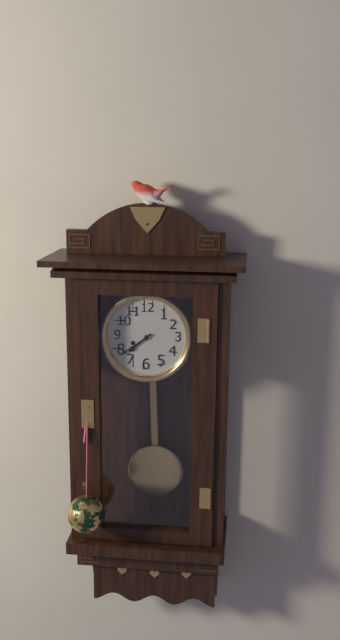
7:39
